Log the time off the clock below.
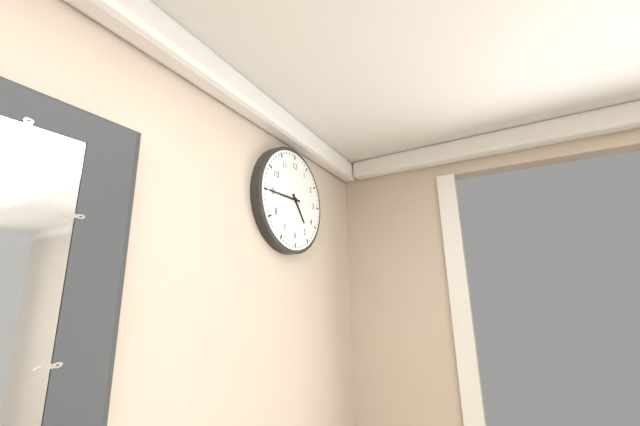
4:45
